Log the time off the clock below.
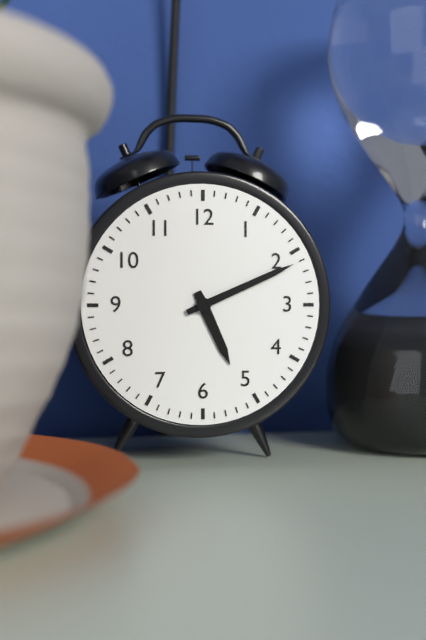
5:11
